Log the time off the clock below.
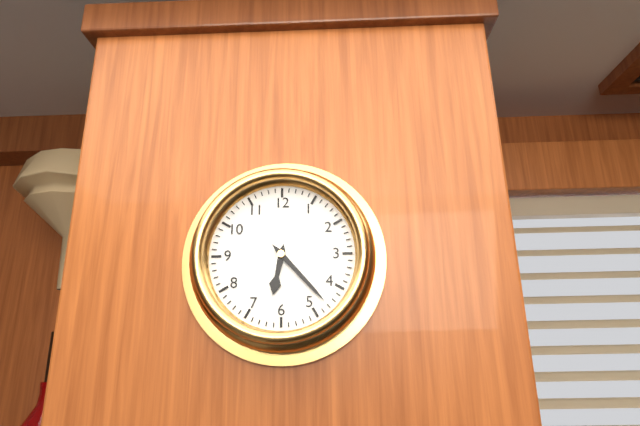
6:23
